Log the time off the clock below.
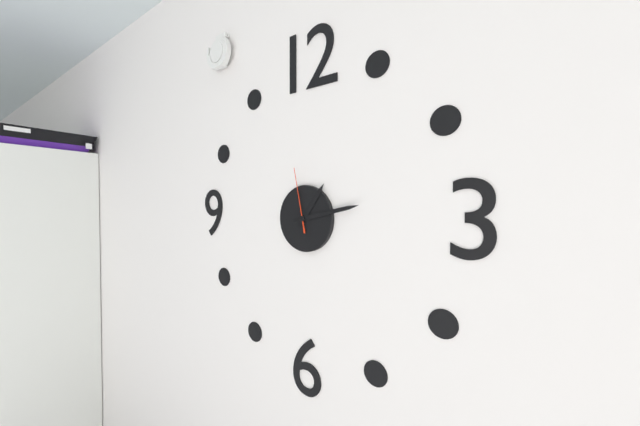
1:13:58
